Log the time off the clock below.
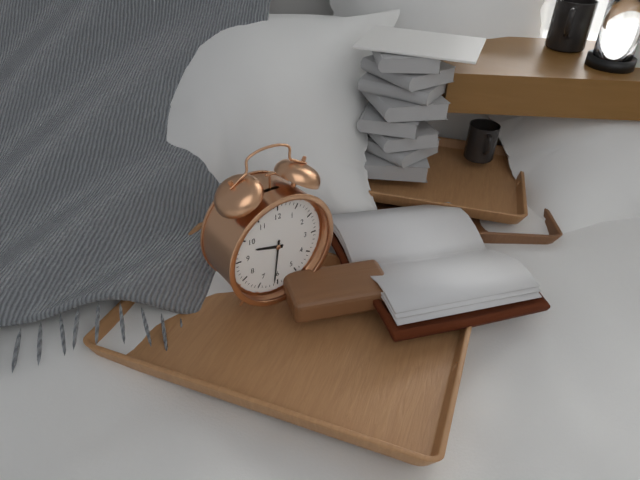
9:31
